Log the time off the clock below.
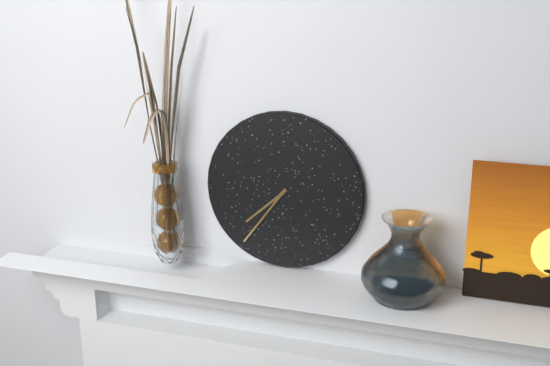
7:36
